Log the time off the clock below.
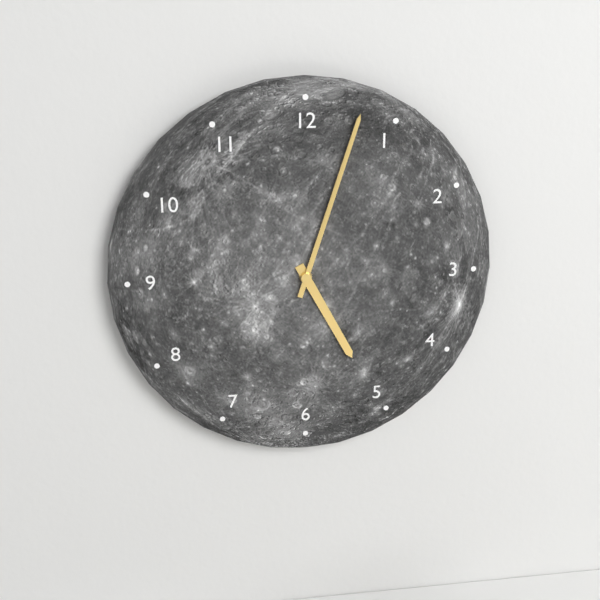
5:03
